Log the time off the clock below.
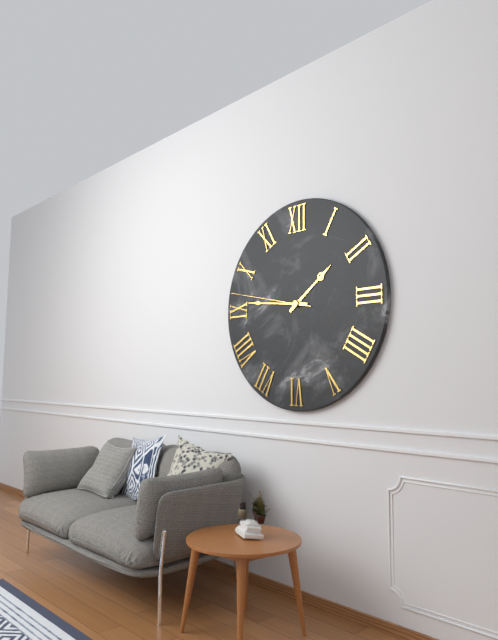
1:46:47
